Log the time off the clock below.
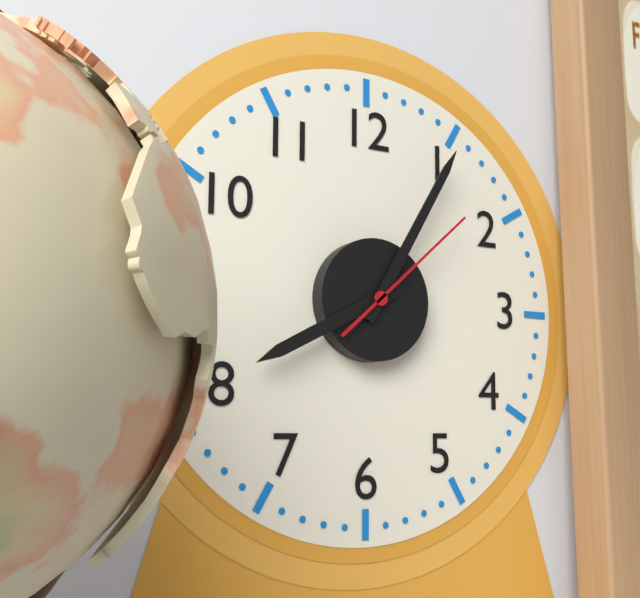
8:05:08
